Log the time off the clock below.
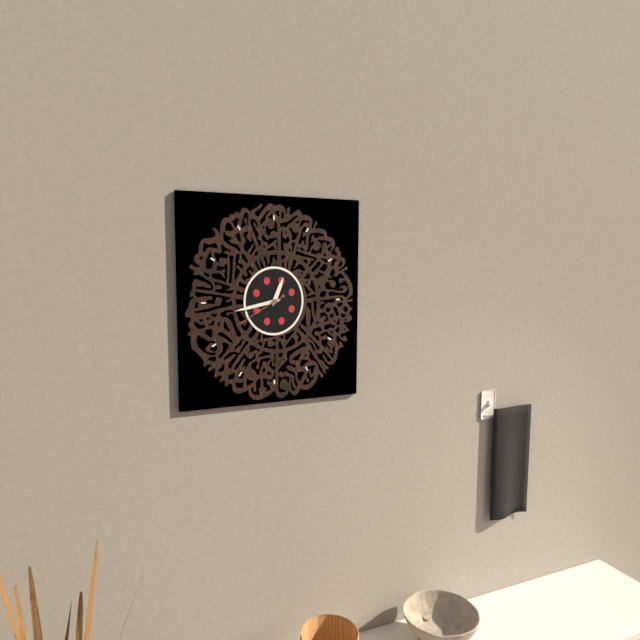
12:43:40
